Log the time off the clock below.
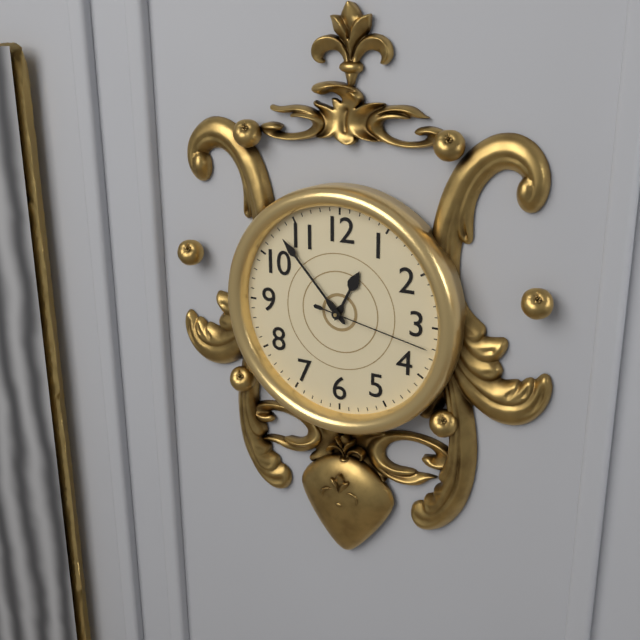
12:53:17
